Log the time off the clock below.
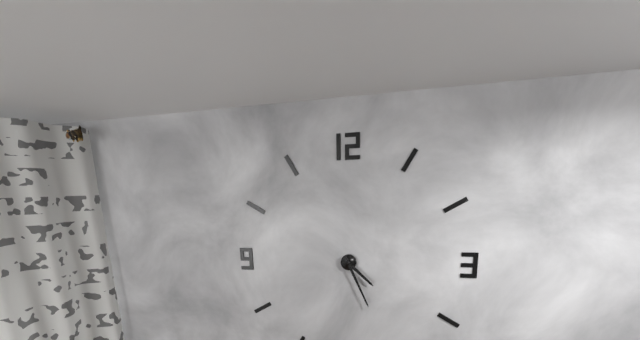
4:26
